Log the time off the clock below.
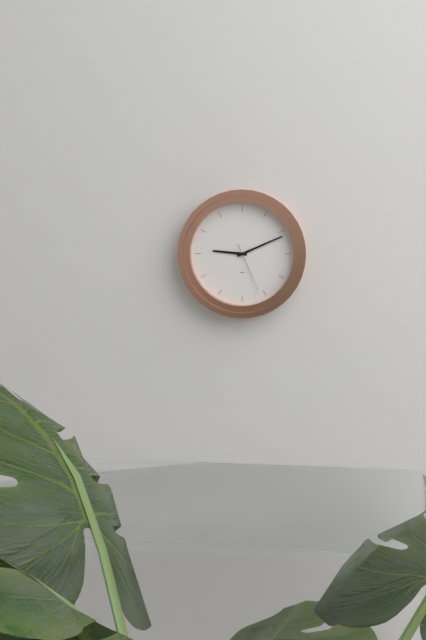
9:11:26
